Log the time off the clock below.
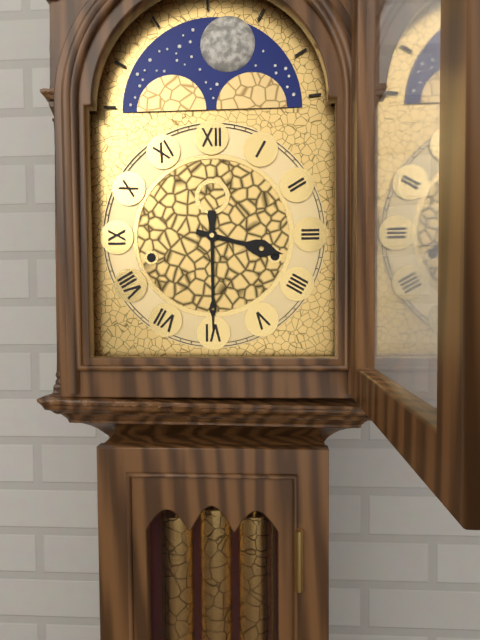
3:30
